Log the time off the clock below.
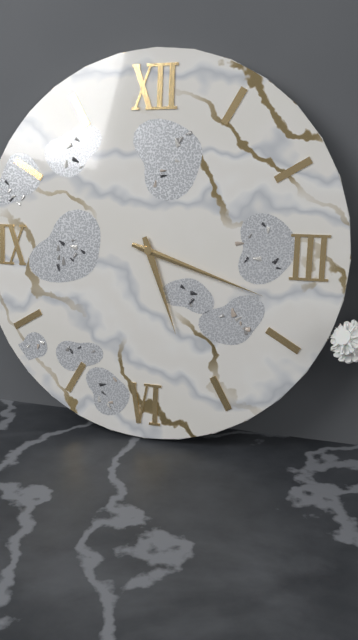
5:18
